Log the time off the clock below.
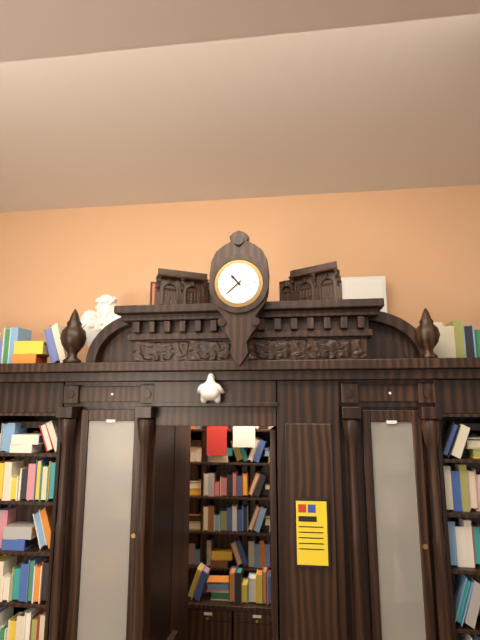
10:38
